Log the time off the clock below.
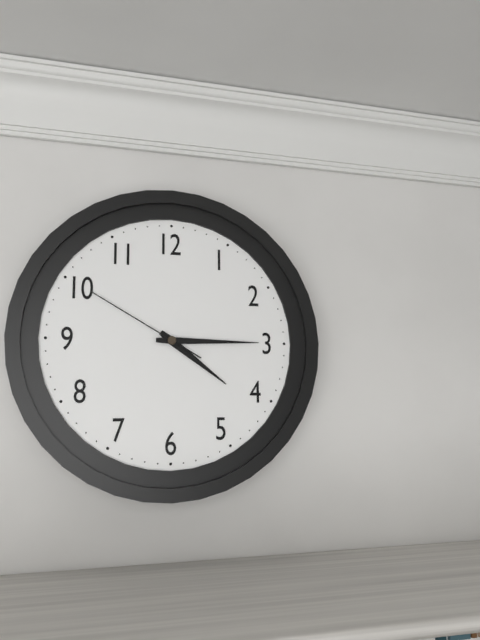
4:15:50
